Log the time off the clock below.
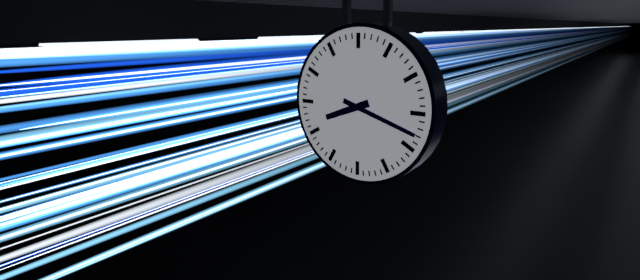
8:18
